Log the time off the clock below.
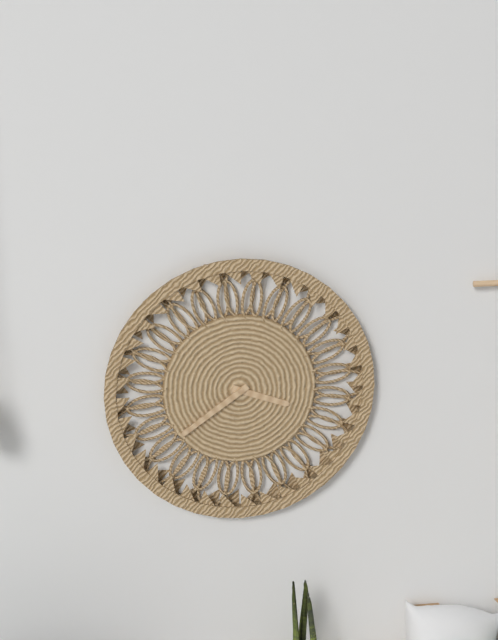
3:39
